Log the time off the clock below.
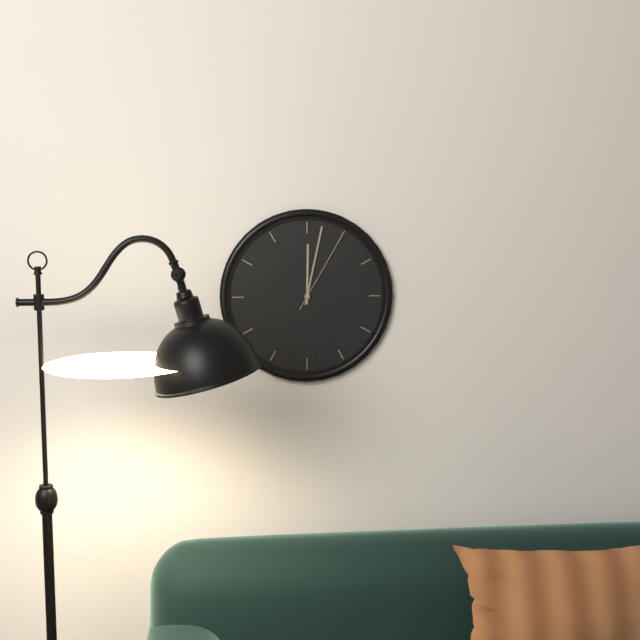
12:02:05
